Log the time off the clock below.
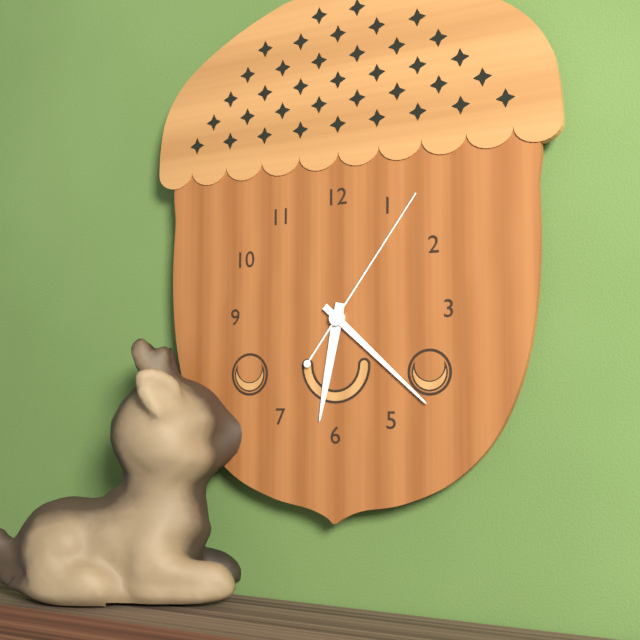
6:22:06
